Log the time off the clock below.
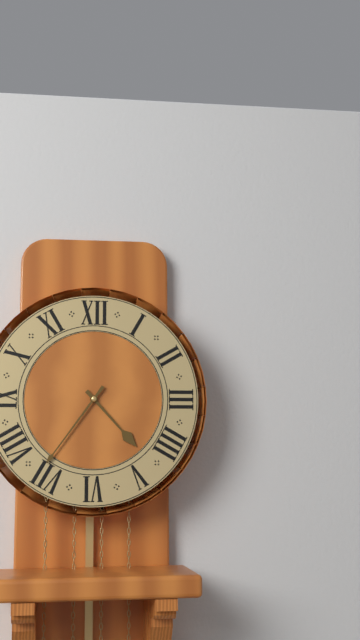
4:36
